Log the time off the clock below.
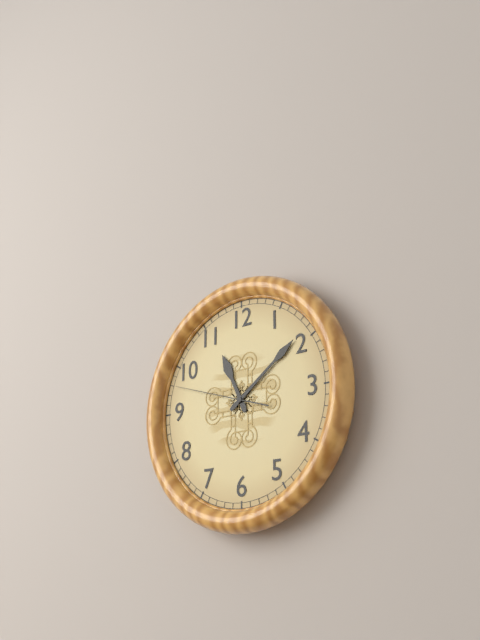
11:09:48
